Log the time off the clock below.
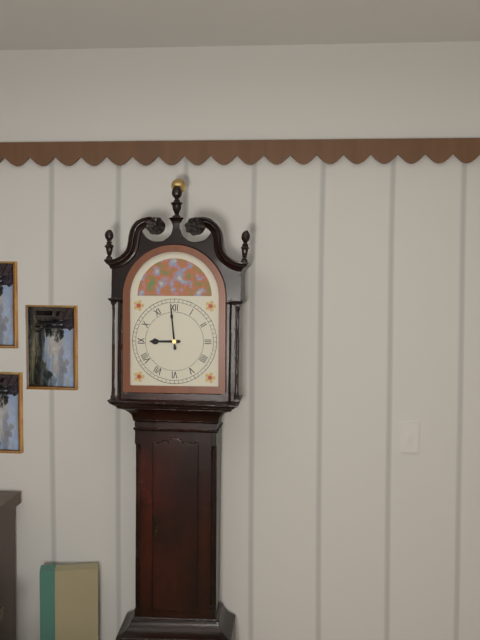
8:59
